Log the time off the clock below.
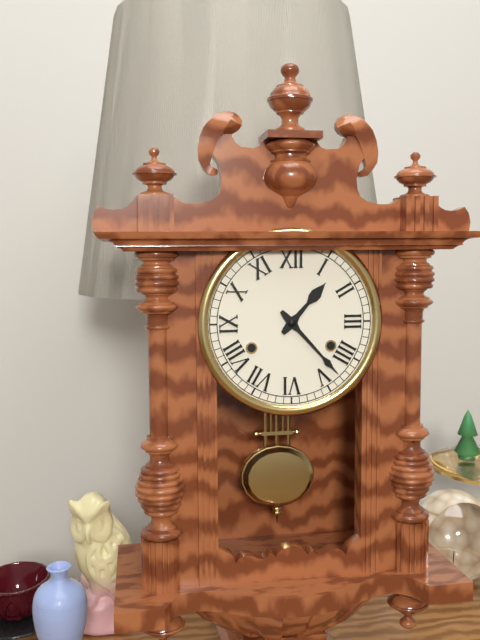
1:23
